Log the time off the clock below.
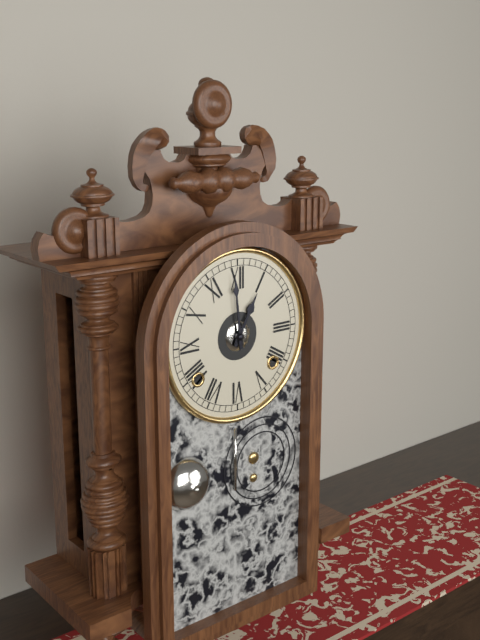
12:59
